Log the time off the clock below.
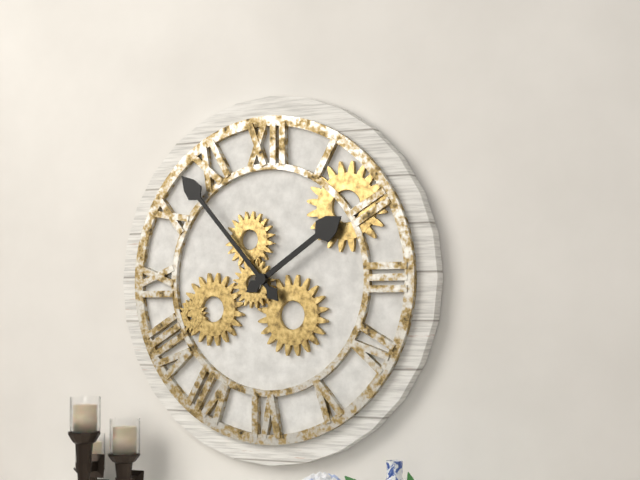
1:53
